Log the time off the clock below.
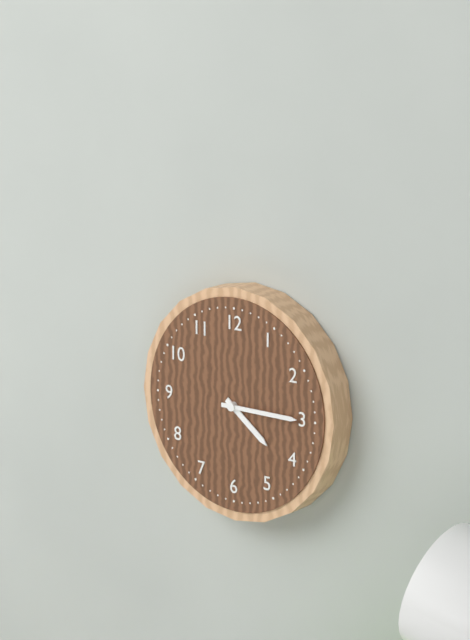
4:15
